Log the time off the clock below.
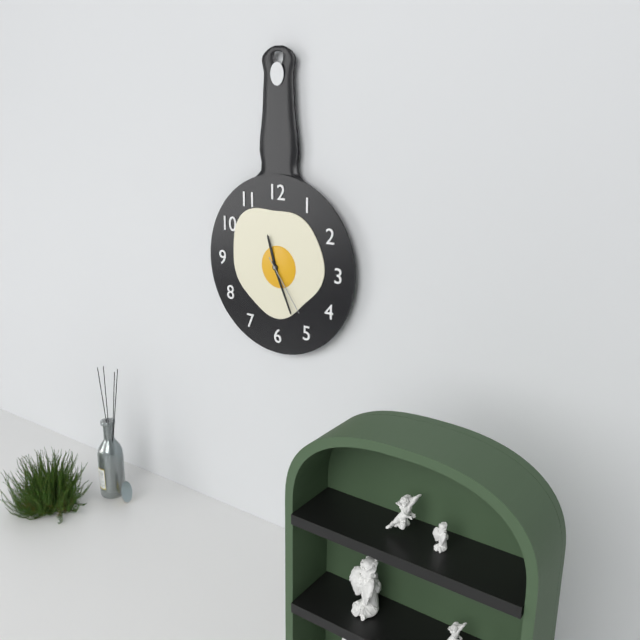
11:26:24
